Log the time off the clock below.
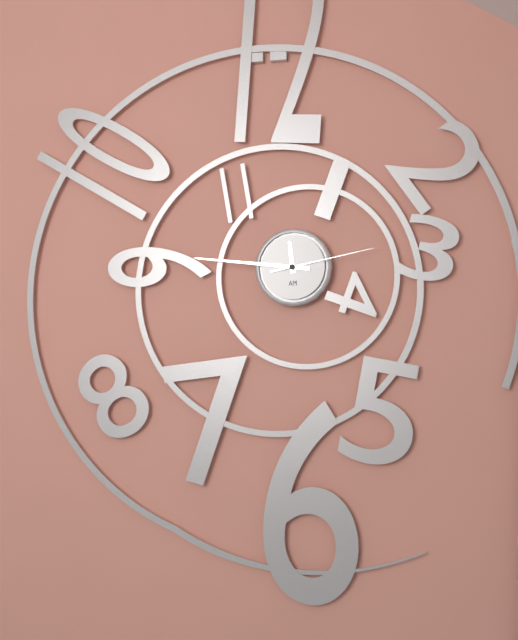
11:46:13
